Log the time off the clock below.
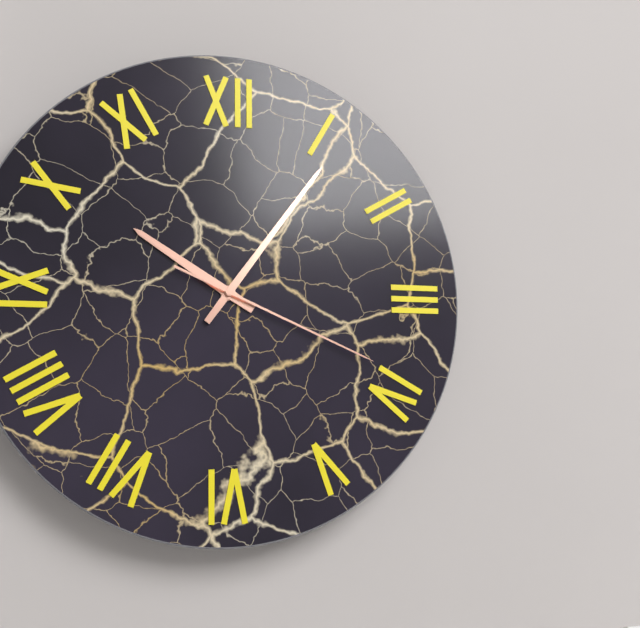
10:06:19
